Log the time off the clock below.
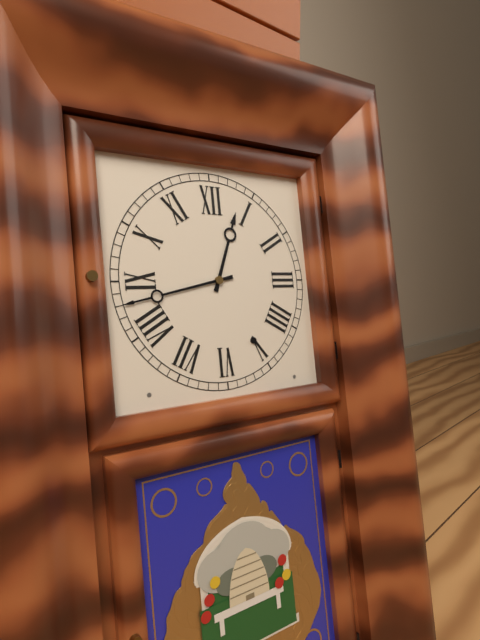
12:43
